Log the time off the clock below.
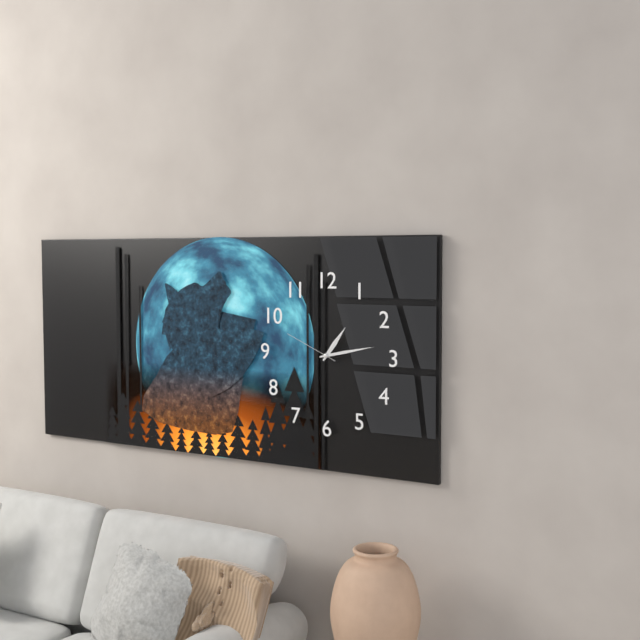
1:13:49
